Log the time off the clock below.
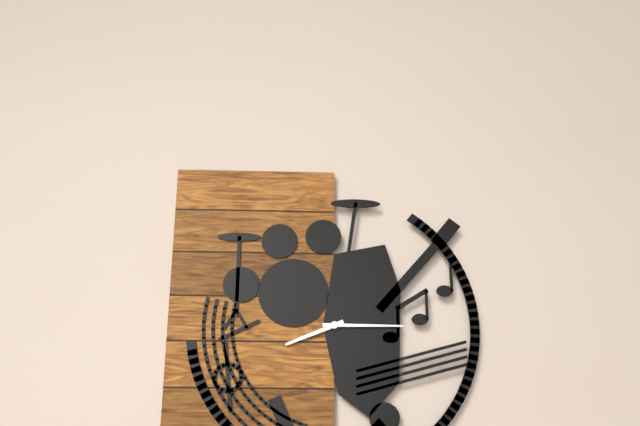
8:15
